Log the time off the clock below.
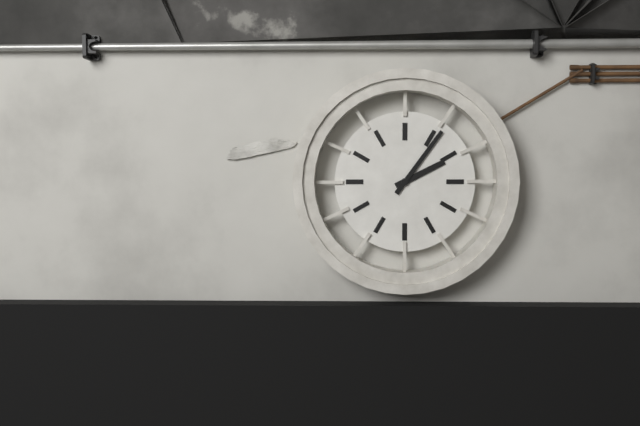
2:06
